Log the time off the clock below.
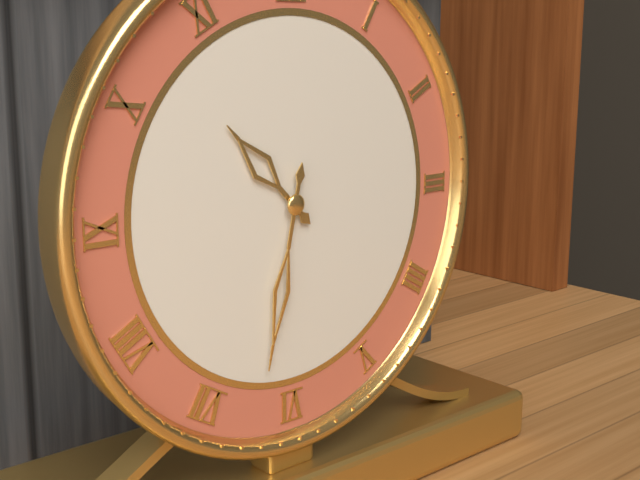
10:32
